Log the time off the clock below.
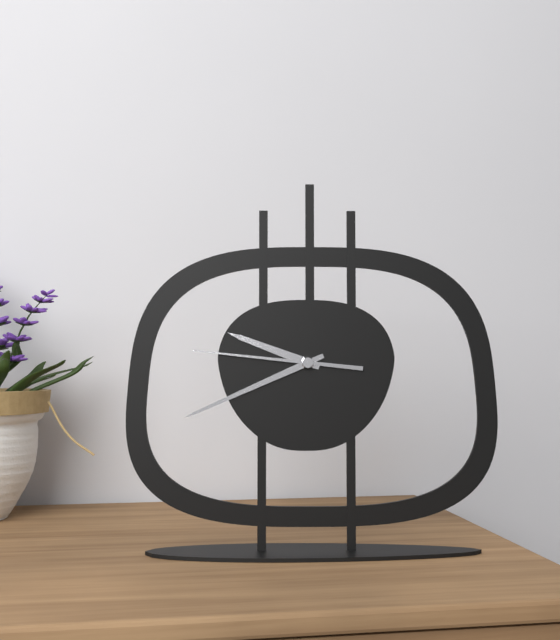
9:41:46
